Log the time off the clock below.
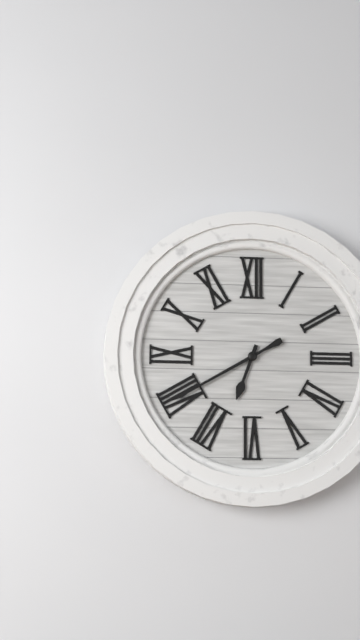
6:40
